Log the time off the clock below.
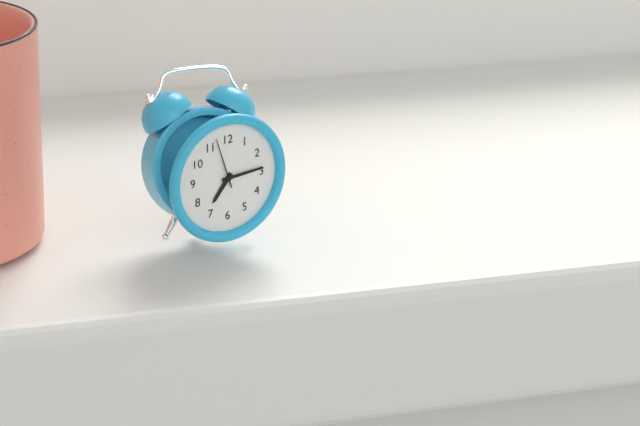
7:14:57
